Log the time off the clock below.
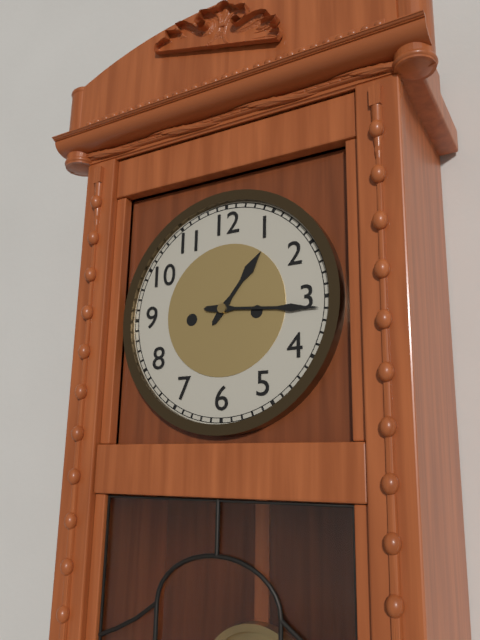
1:16
